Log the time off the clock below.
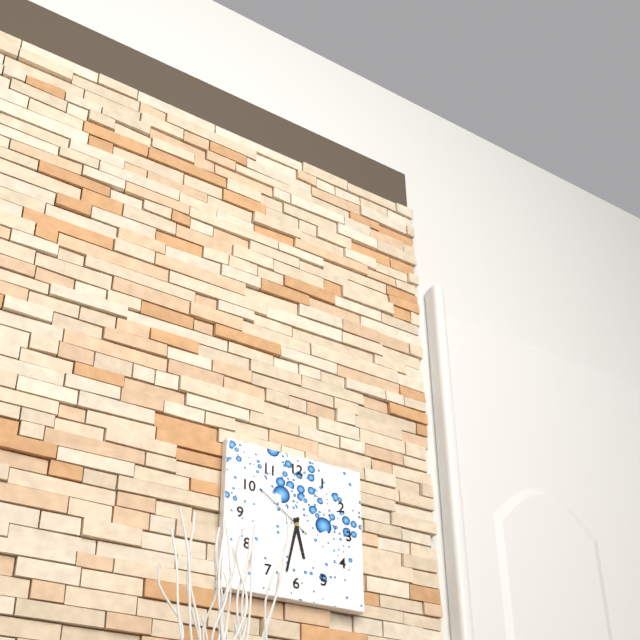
5:32:51
